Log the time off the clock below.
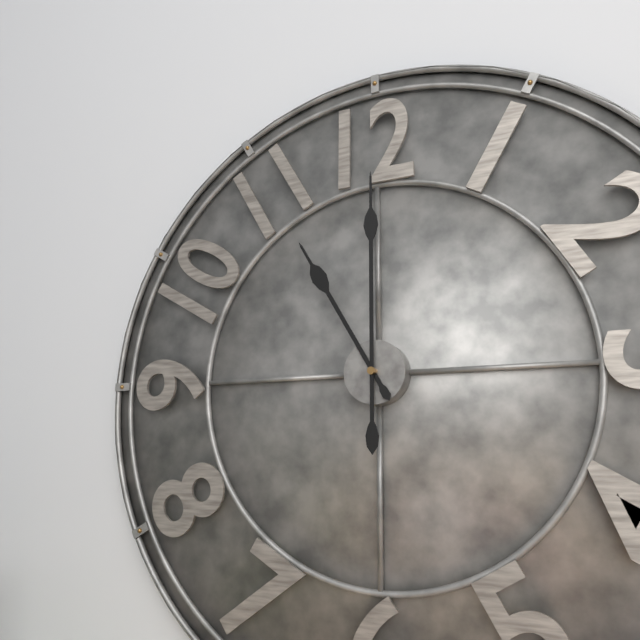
11:00
